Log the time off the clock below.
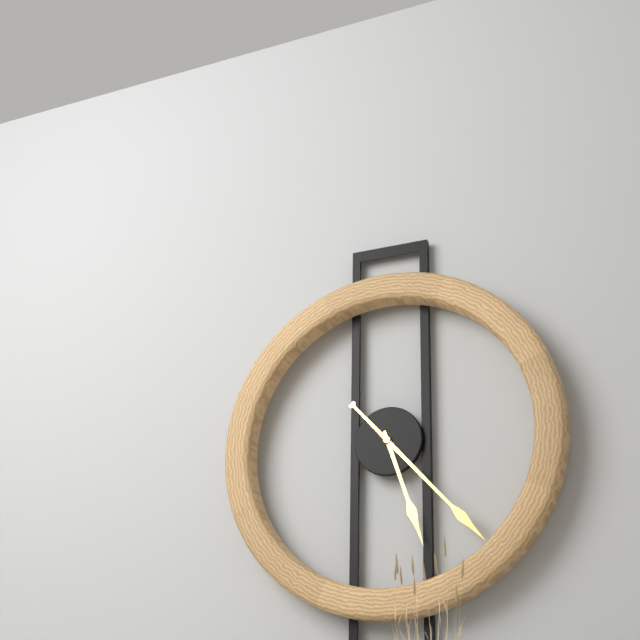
5:23
